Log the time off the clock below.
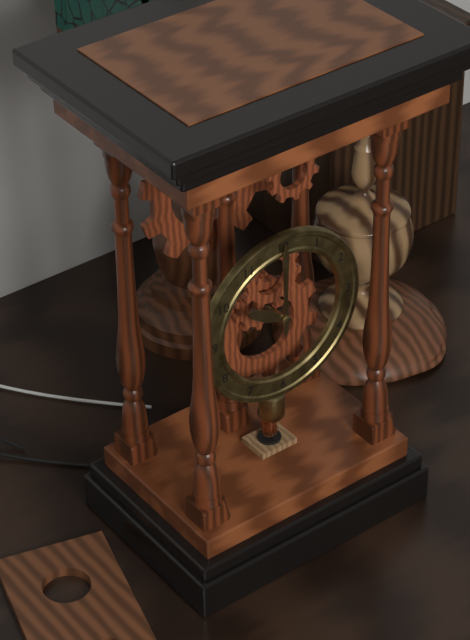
10:00
